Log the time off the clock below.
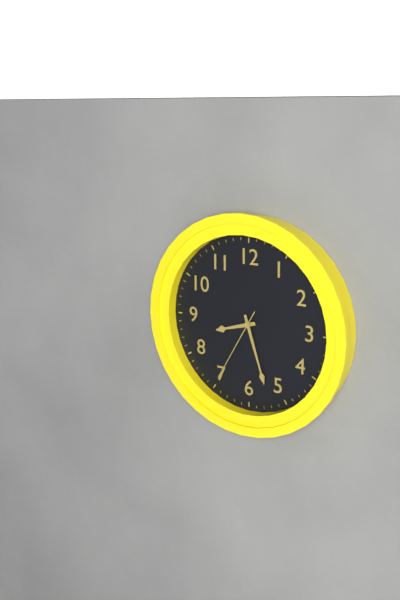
8:27:35
